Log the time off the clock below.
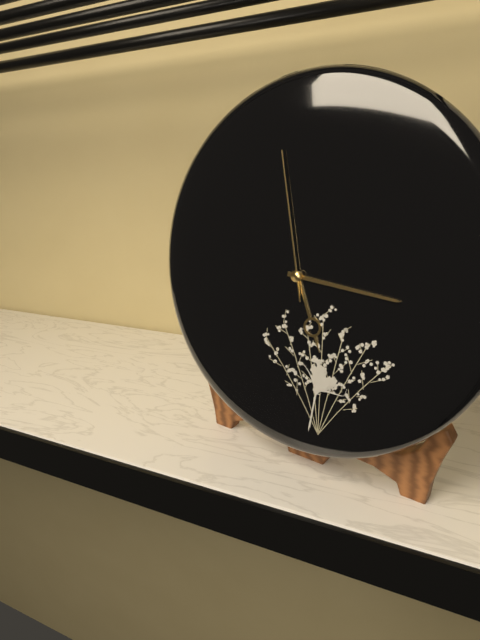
5:16:58
